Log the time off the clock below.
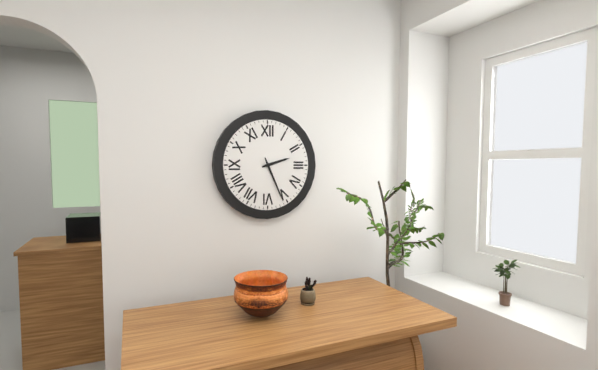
2:26
